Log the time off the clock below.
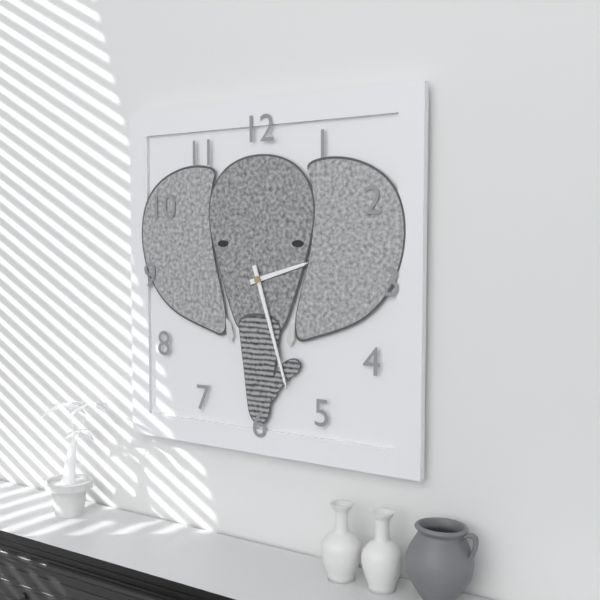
2:27
